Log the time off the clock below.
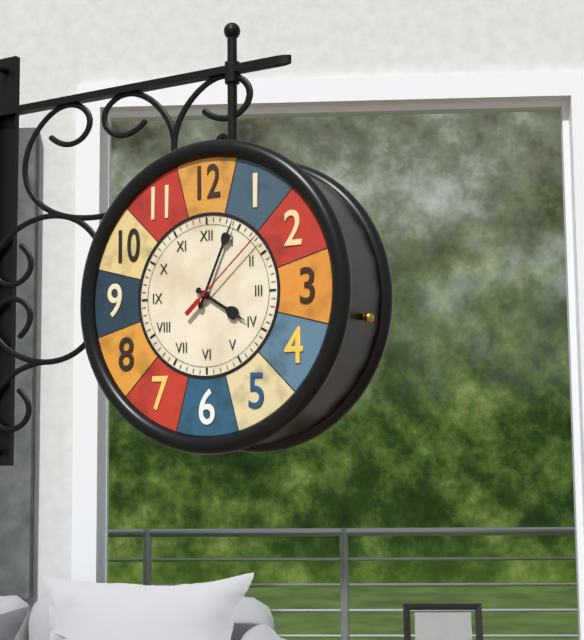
4:04:08
